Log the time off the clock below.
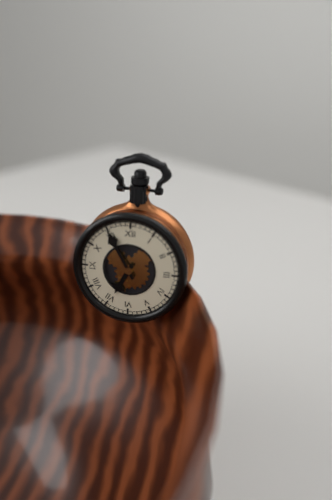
6:55
